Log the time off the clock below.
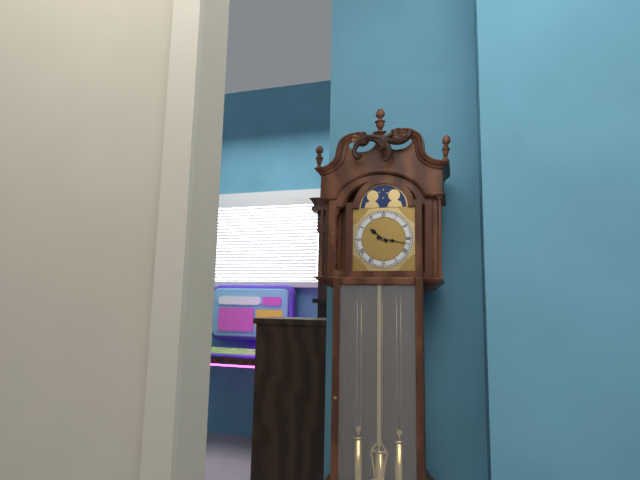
10:17
